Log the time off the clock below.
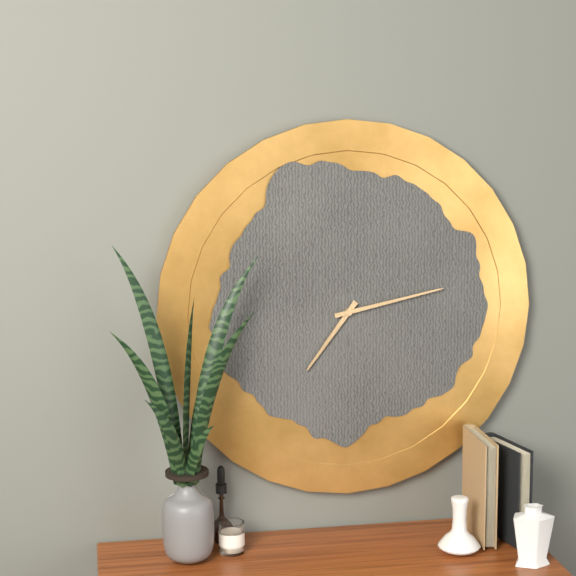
7:13
